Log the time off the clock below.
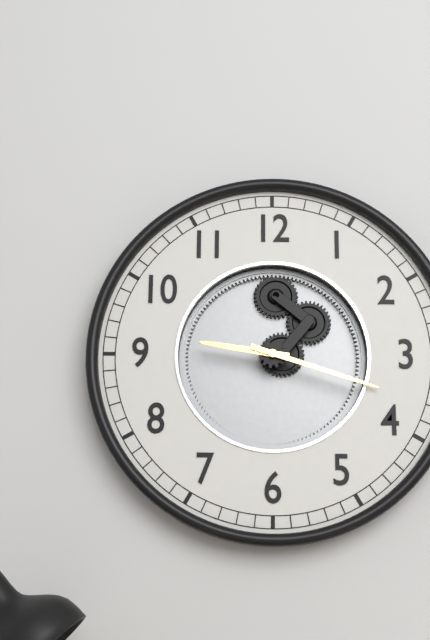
9:18
